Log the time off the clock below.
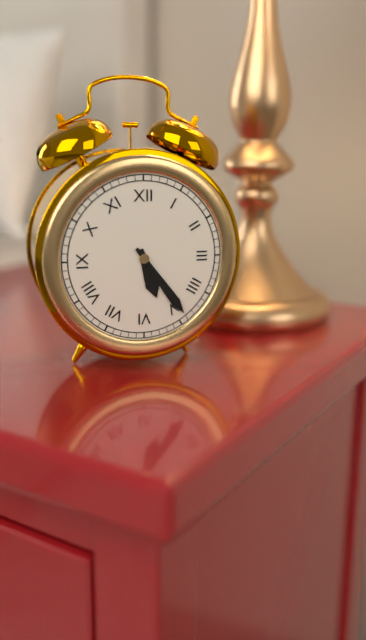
5:24
